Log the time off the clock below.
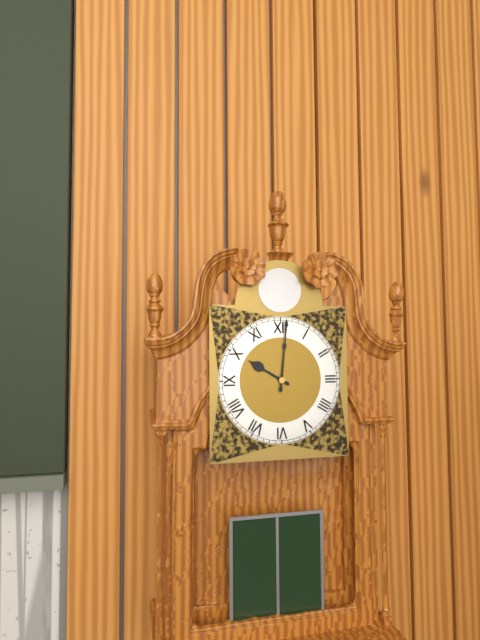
10:01
